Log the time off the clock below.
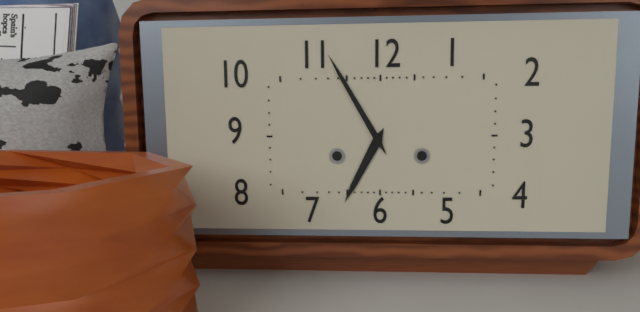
6:55
